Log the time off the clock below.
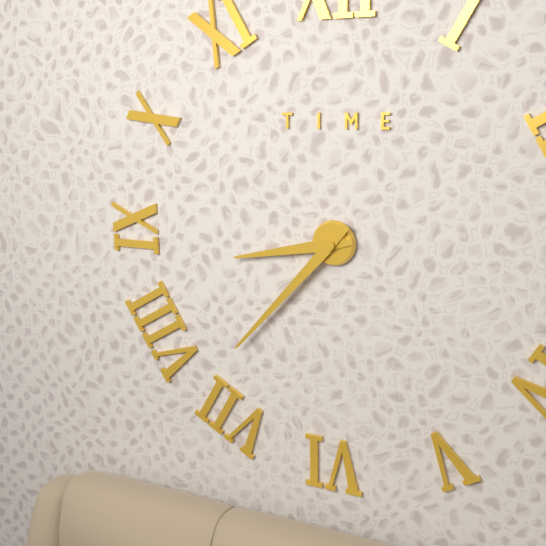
8:37
